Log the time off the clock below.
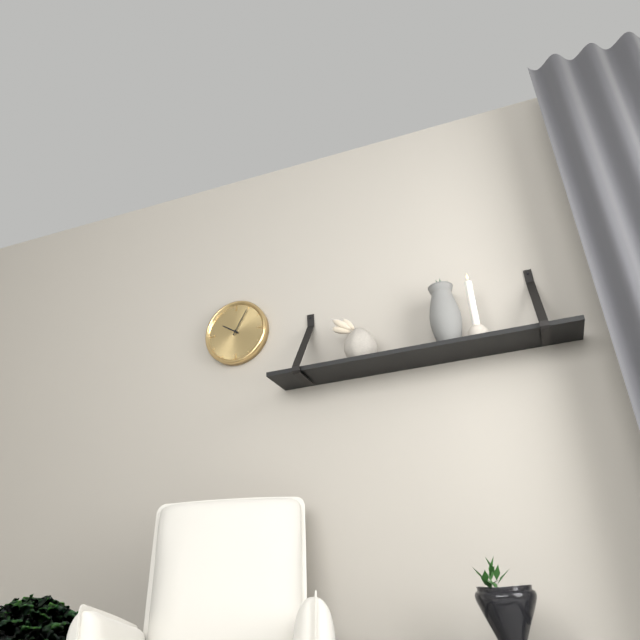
10:05
